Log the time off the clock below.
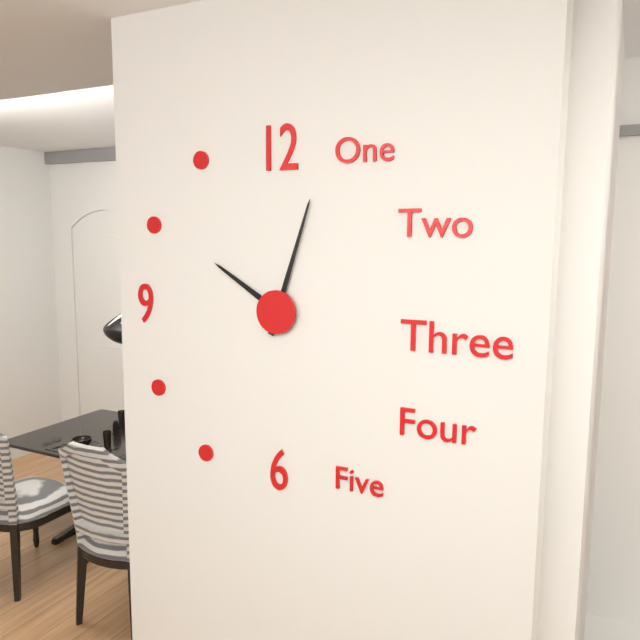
10:03
